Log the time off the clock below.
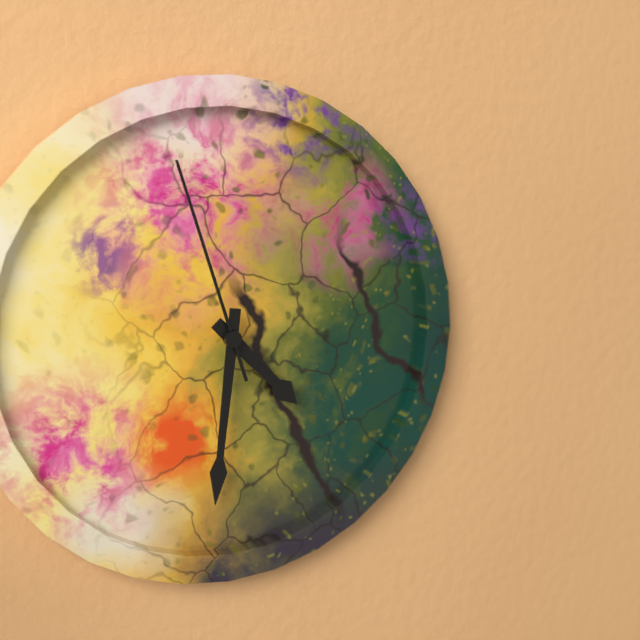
4:31:57
